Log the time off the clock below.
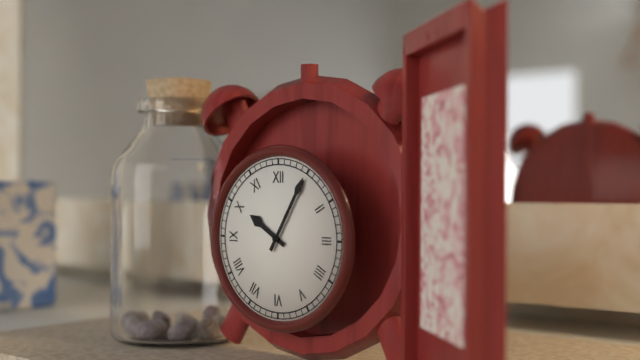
10:05
